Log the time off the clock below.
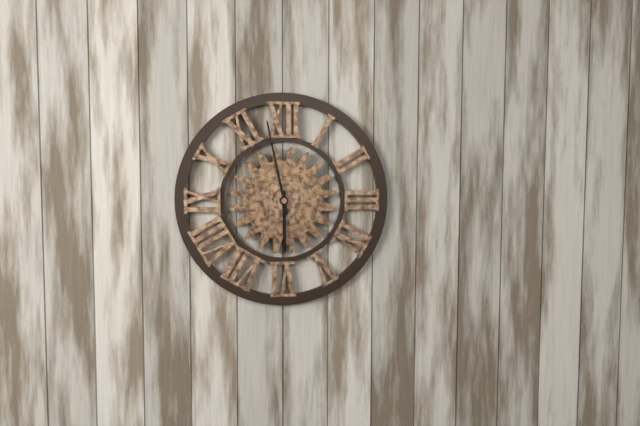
5:58
